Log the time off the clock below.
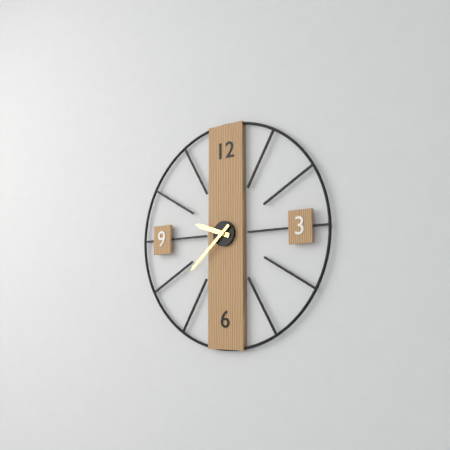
9:38
